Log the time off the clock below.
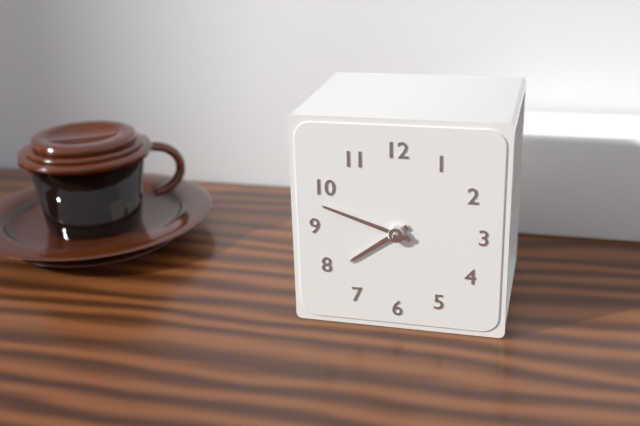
7:48
